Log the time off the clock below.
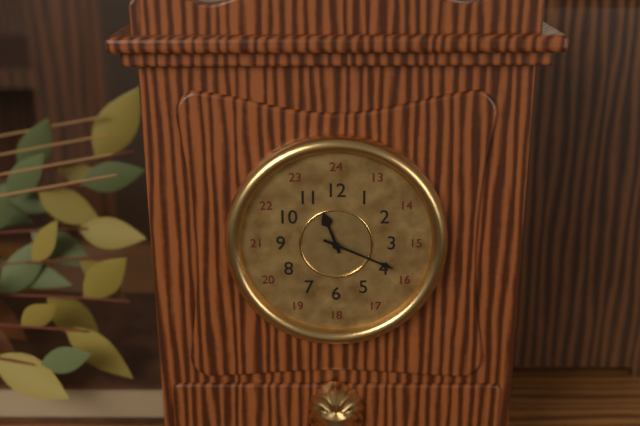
11:19
